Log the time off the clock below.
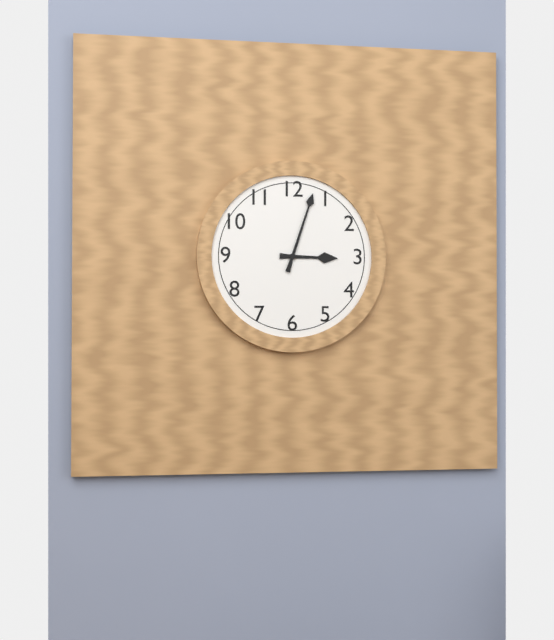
3:03
